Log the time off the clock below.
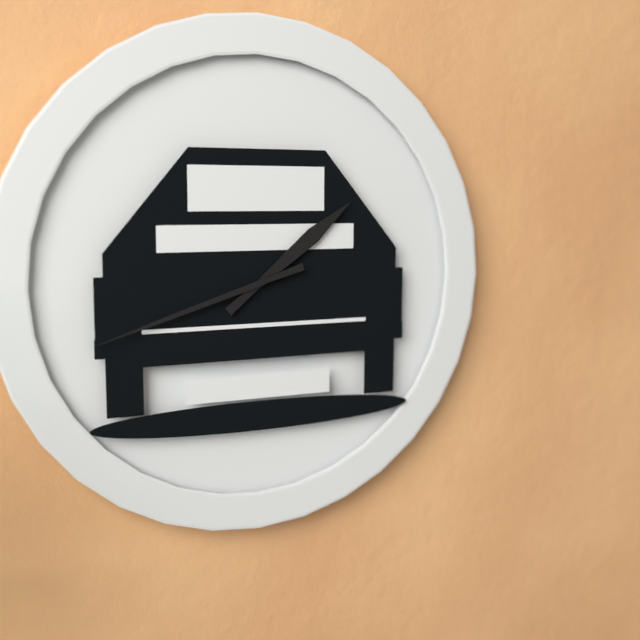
1:42
